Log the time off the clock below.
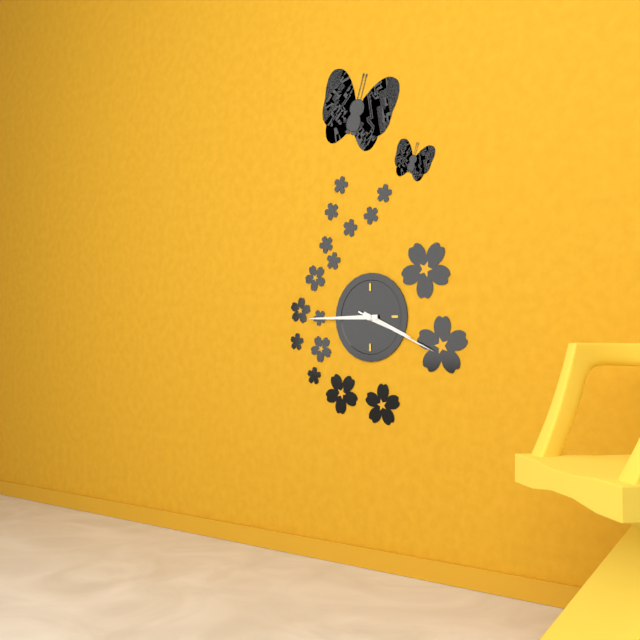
3:45:19
